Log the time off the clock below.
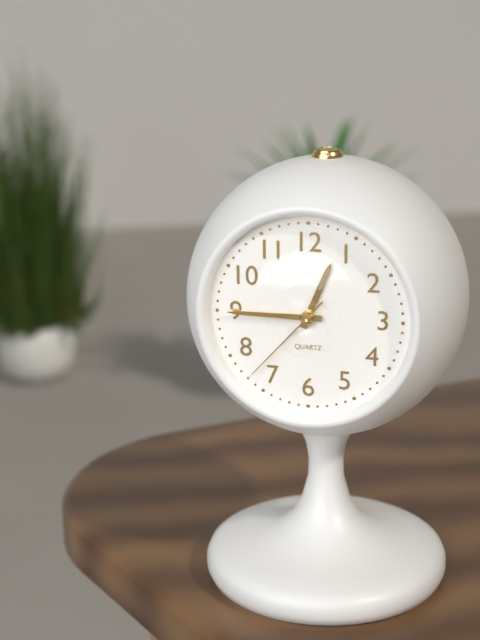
12:45:37
